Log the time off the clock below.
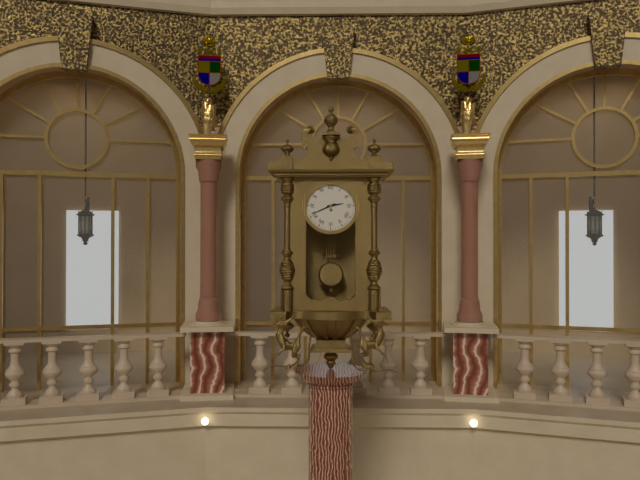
2:41
